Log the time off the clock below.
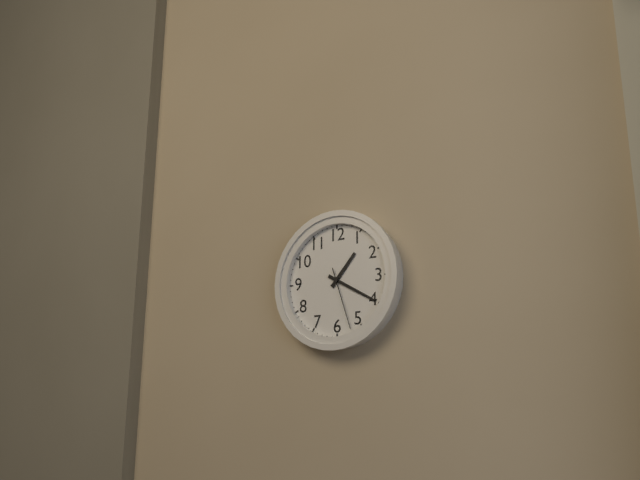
1:20:27
